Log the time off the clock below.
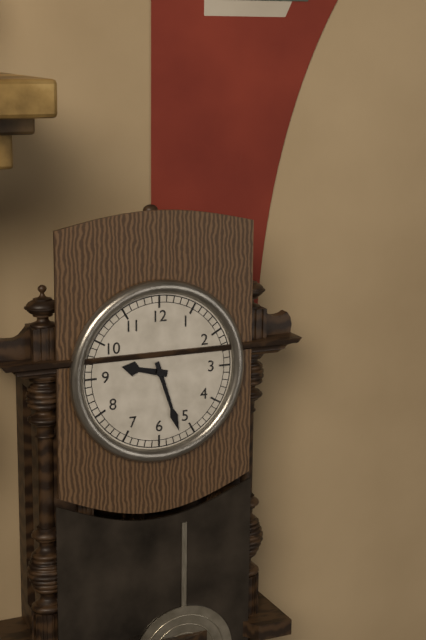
9:27
